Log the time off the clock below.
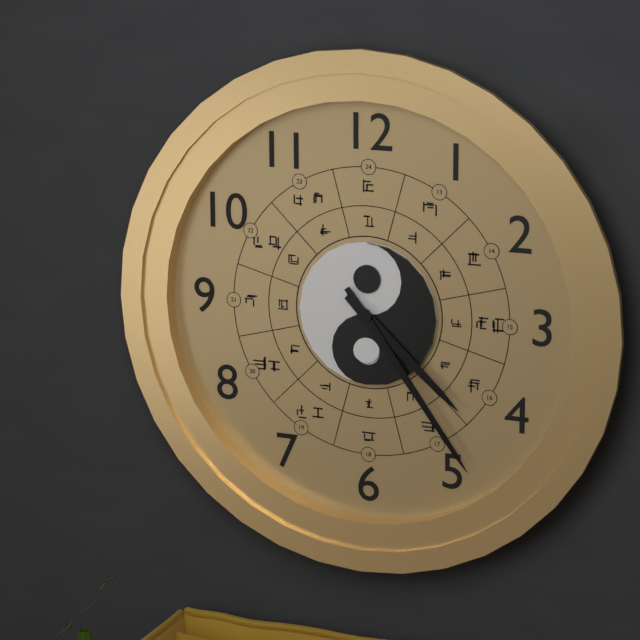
4:24
